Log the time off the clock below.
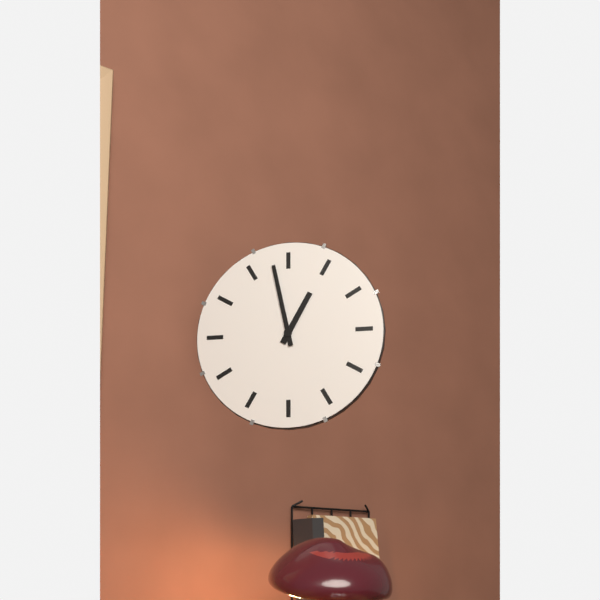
12:58
